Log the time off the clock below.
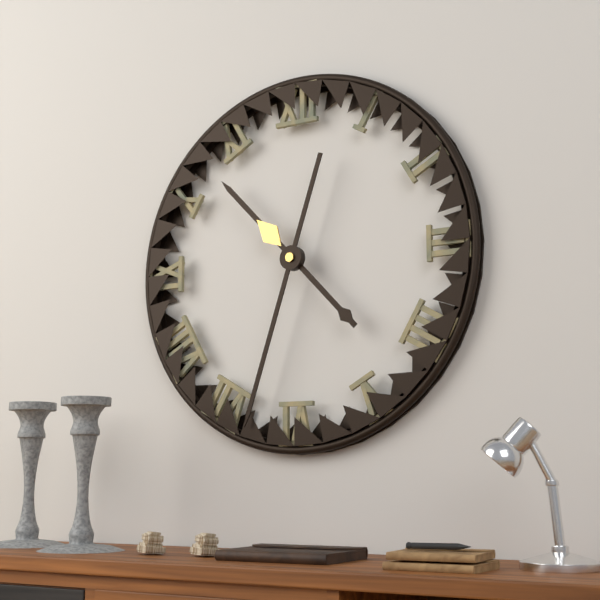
10:33
